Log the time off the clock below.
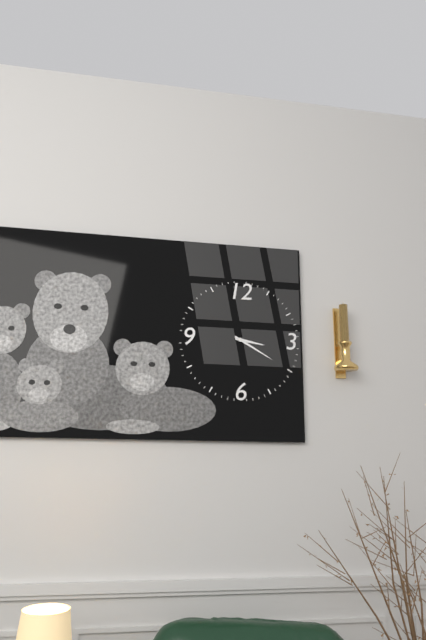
3:20
